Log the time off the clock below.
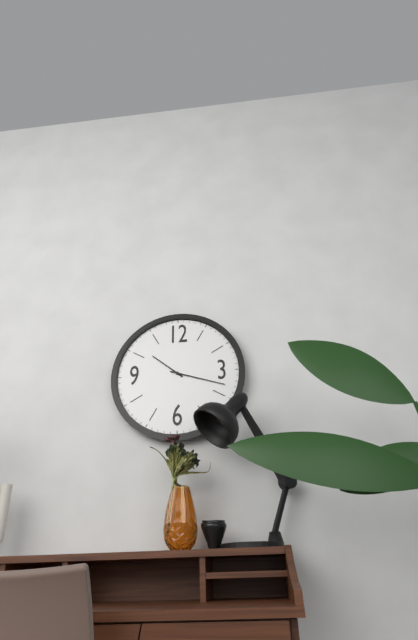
10:18
